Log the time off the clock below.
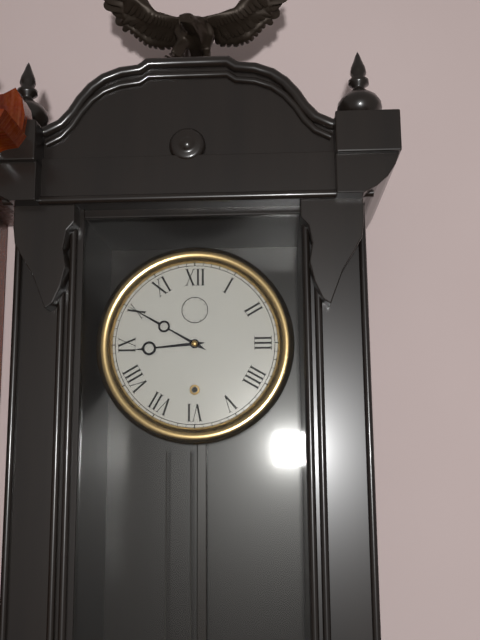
8:50
